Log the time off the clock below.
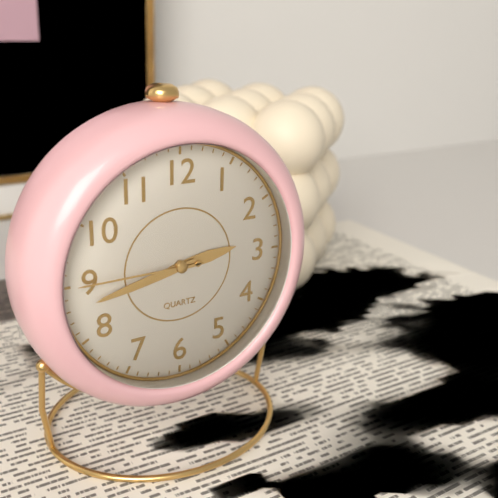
2:43:45
